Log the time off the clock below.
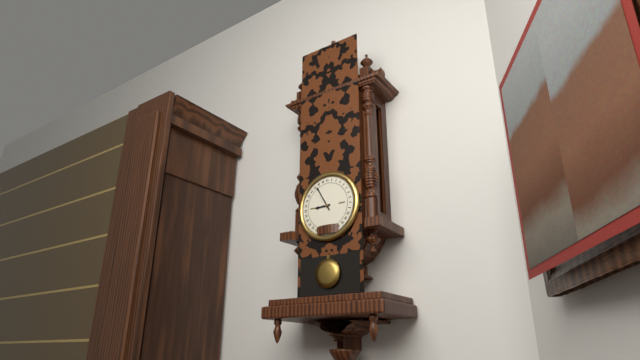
8:55
